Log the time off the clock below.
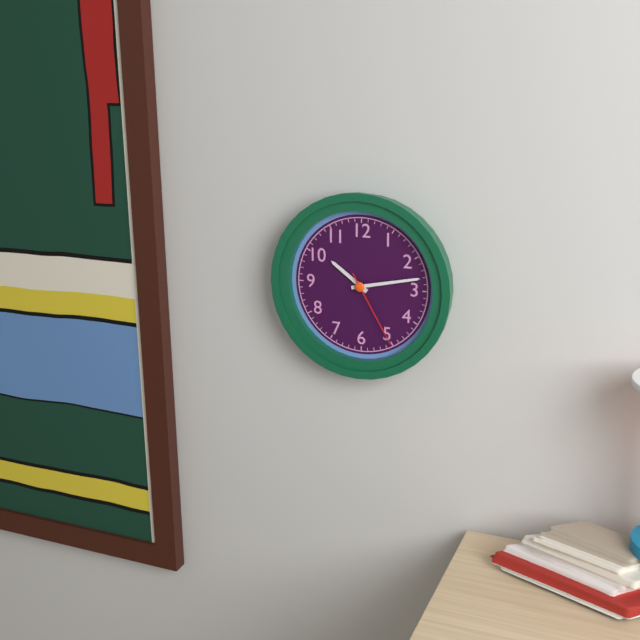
10:13:25
